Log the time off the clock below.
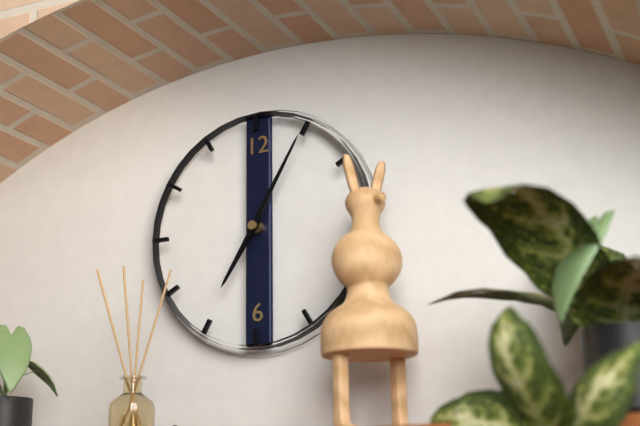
7:05
